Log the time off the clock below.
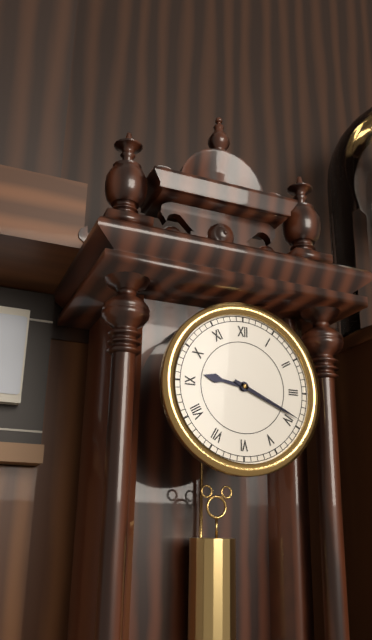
9:19
